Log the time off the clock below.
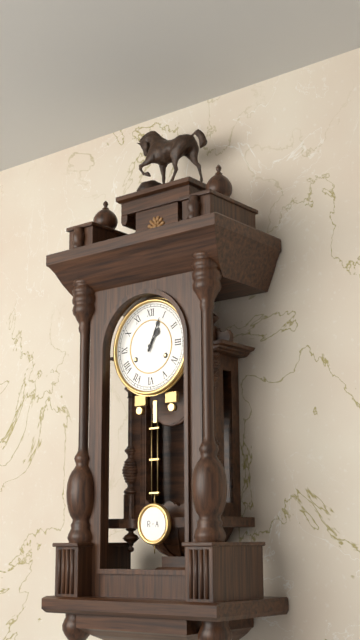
1:04
